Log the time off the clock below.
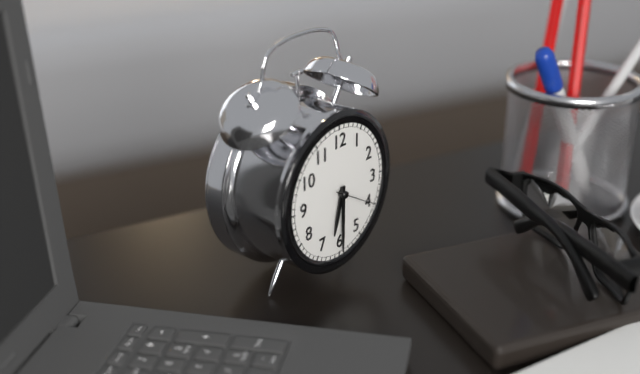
6:30
